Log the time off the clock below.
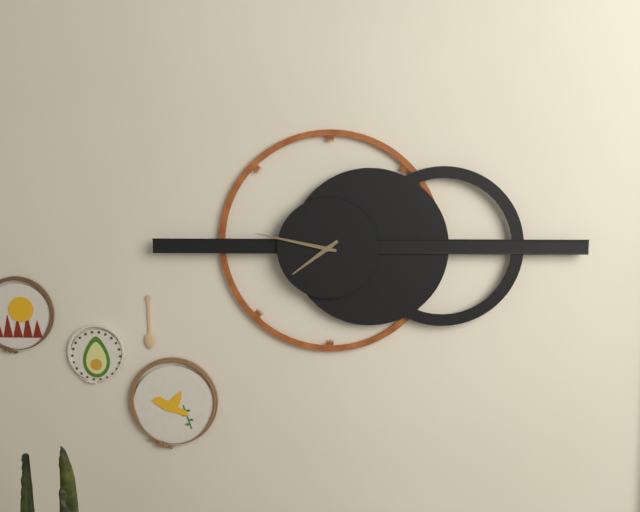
7:47
